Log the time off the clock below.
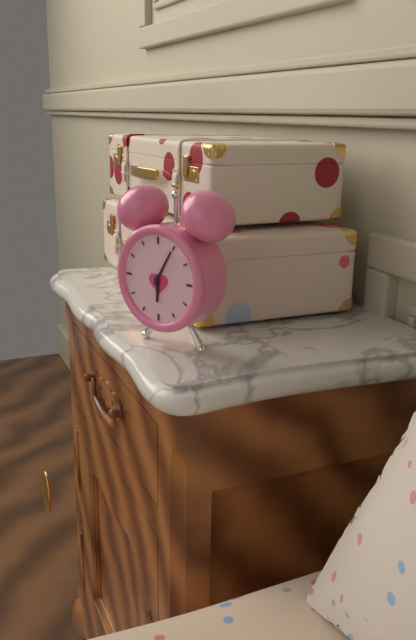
6:05
